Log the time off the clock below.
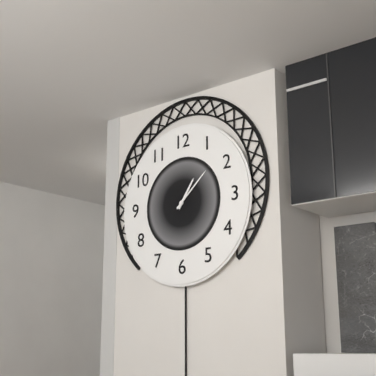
1:08
